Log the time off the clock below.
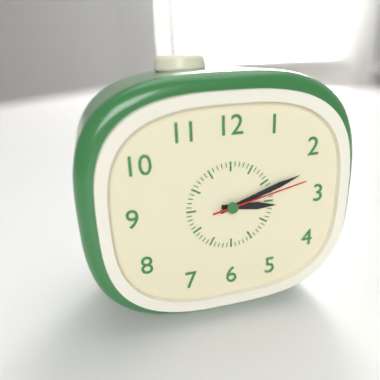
3:12:13
